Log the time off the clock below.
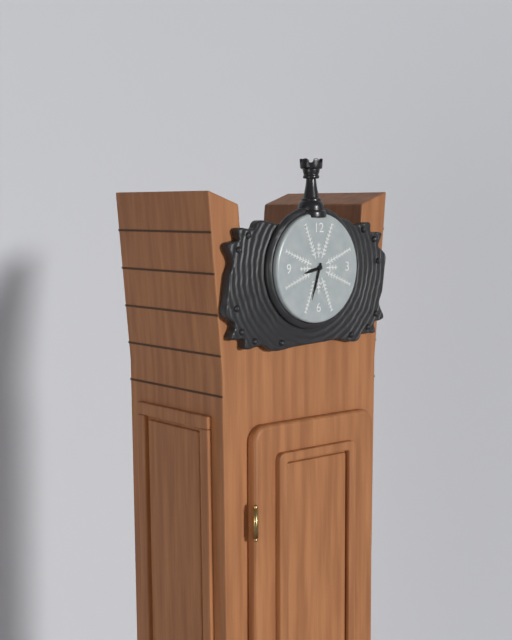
8:33
